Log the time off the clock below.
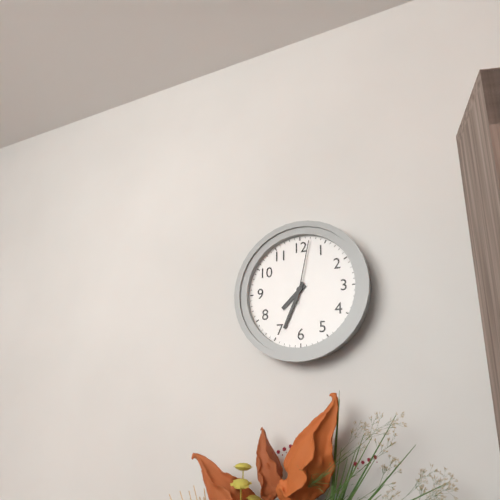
7:34:02
